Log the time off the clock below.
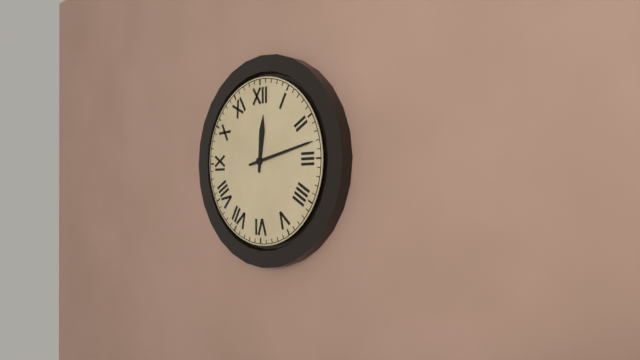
12:13
